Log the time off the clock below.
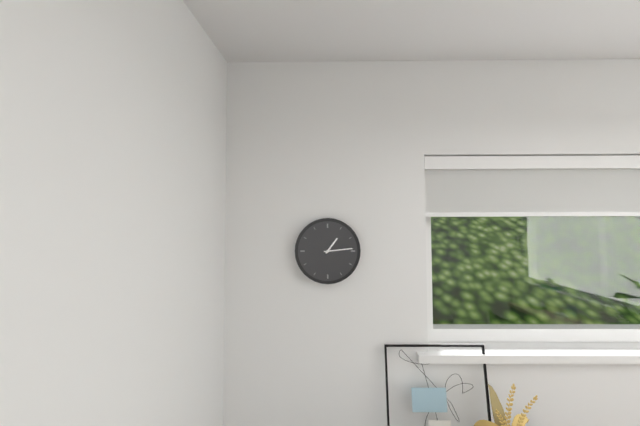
1:14
